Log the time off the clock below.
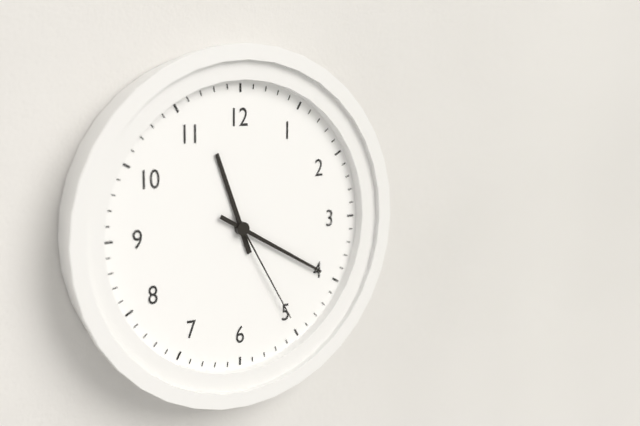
11:20:25
